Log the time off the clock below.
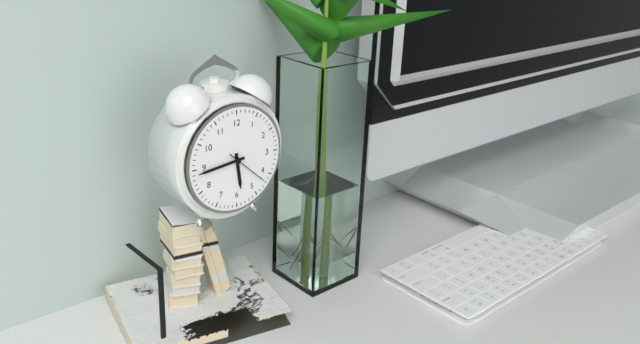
5:44
